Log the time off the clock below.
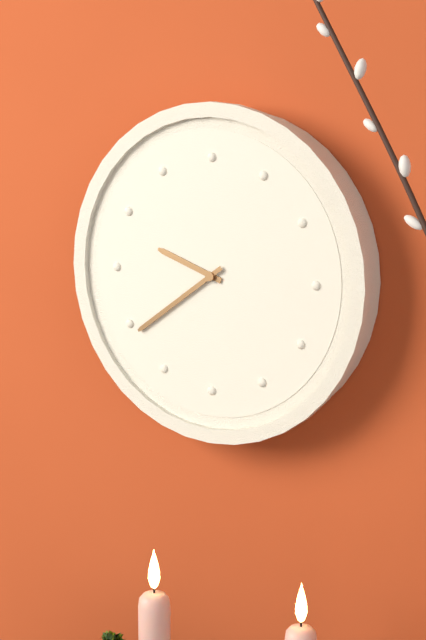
9:39
